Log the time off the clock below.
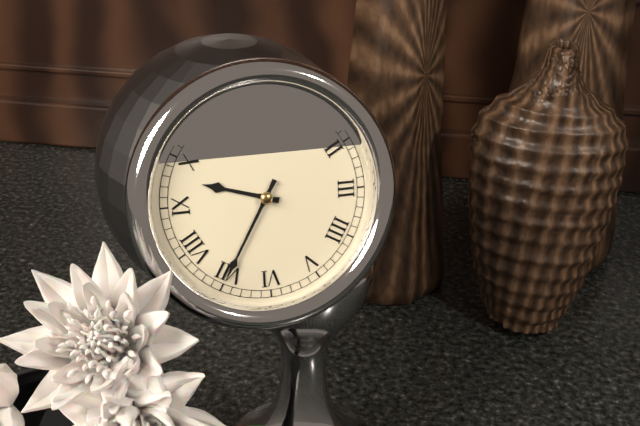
9:35
